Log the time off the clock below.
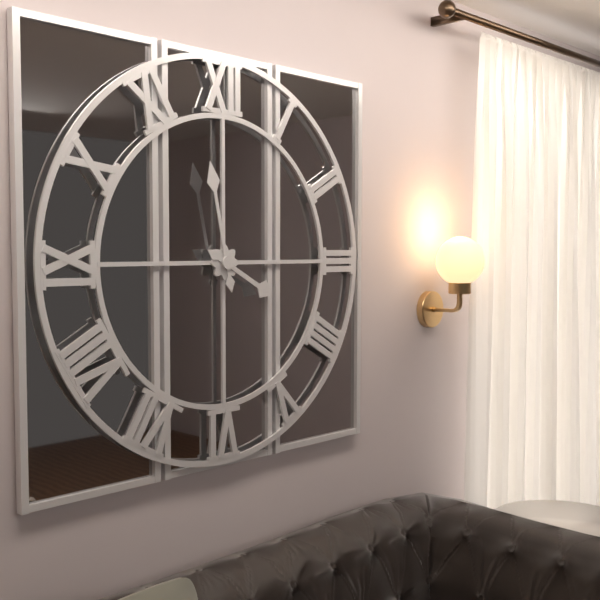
3:58
